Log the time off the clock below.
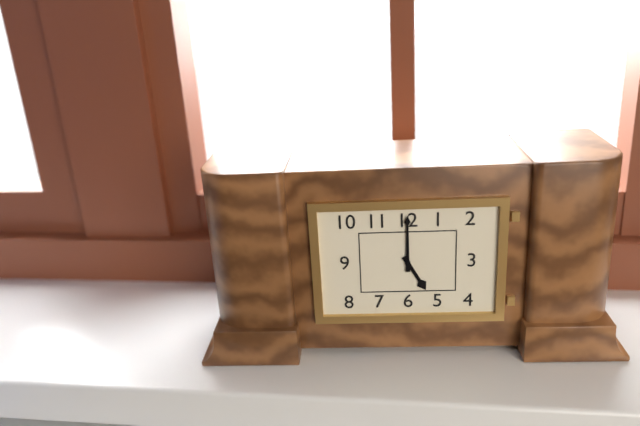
5:00
